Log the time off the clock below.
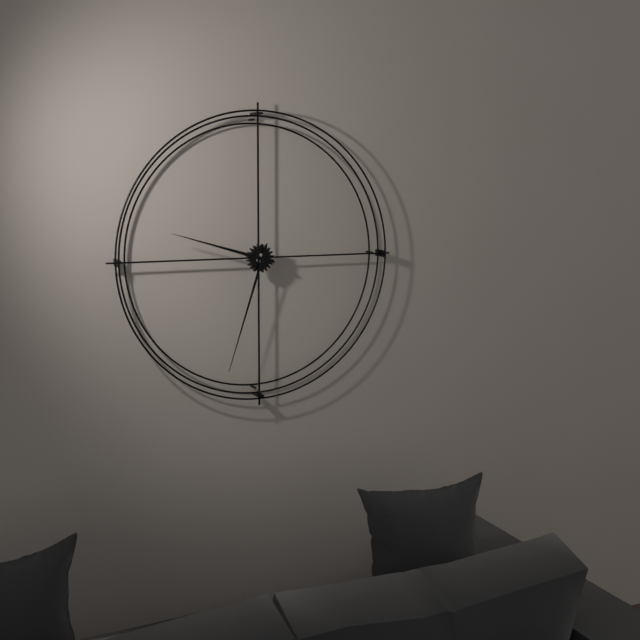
9:33
